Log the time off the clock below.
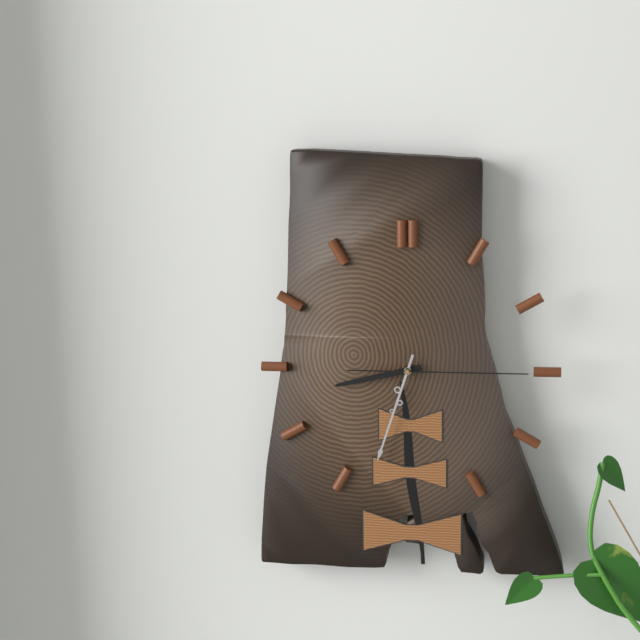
8:33:15
